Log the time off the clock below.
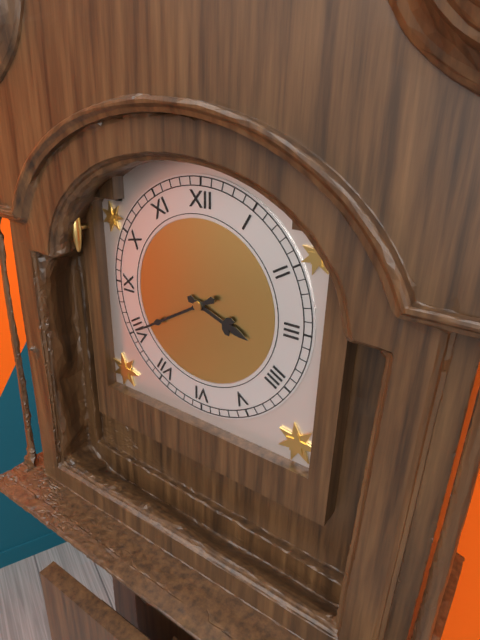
3:40
